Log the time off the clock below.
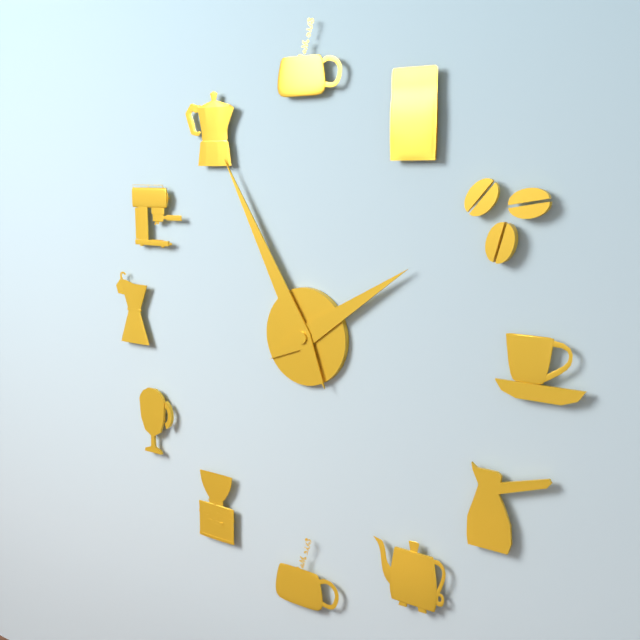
1:55
